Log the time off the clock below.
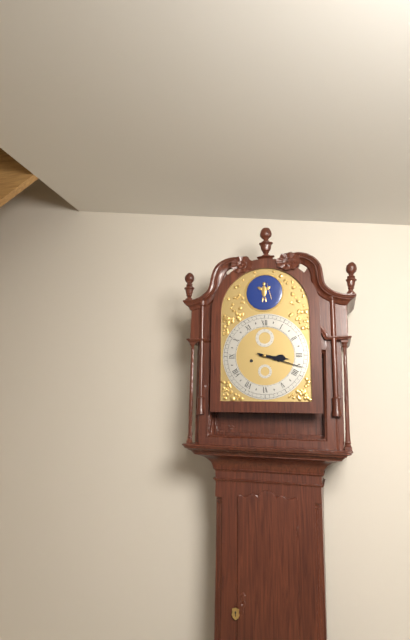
3:18
